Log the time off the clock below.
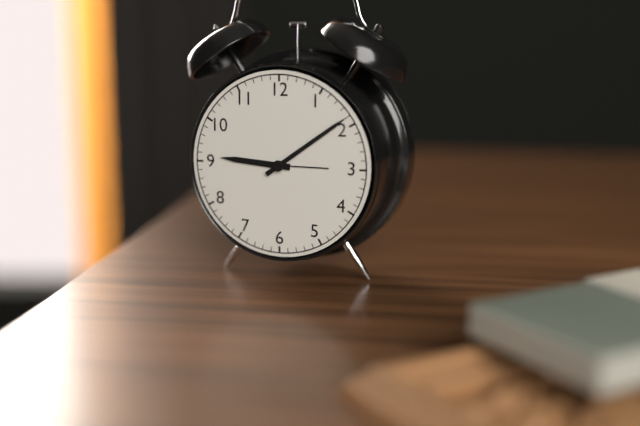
9:09
